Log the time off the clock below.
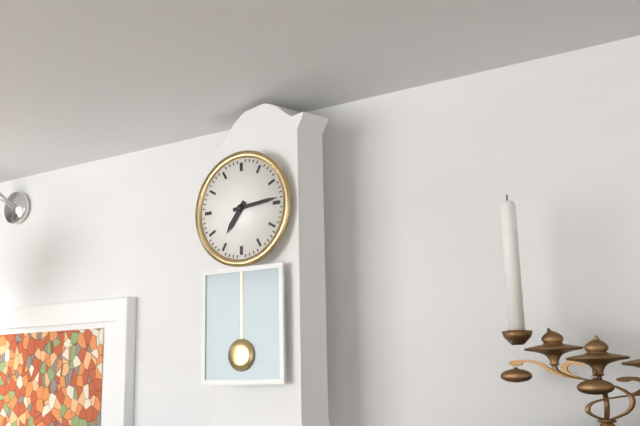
7:14
